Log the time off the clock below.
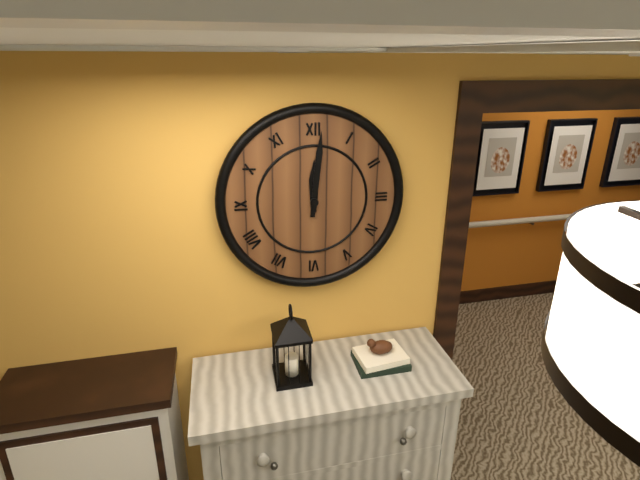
12:01
